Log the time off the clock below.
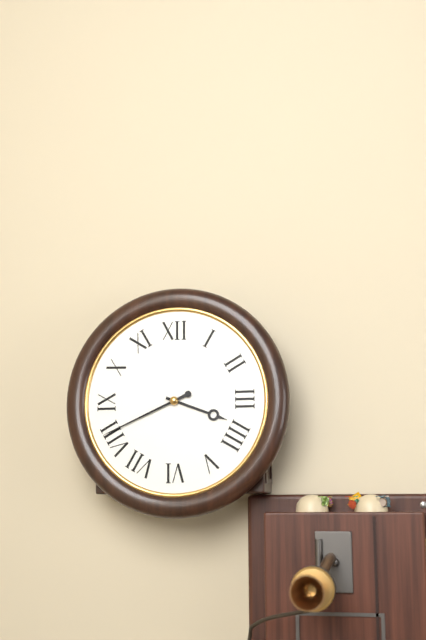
3:41
